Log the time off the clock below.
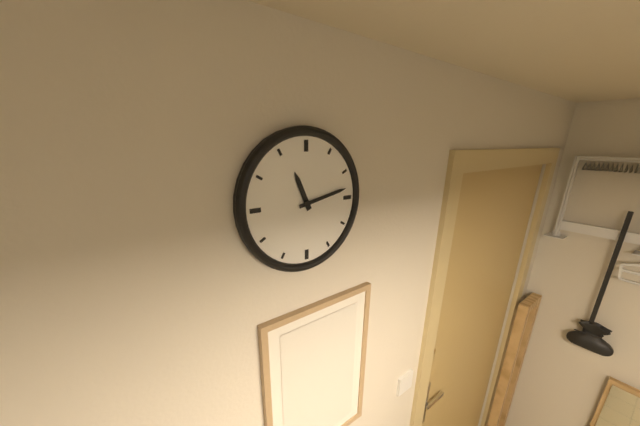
11:13
